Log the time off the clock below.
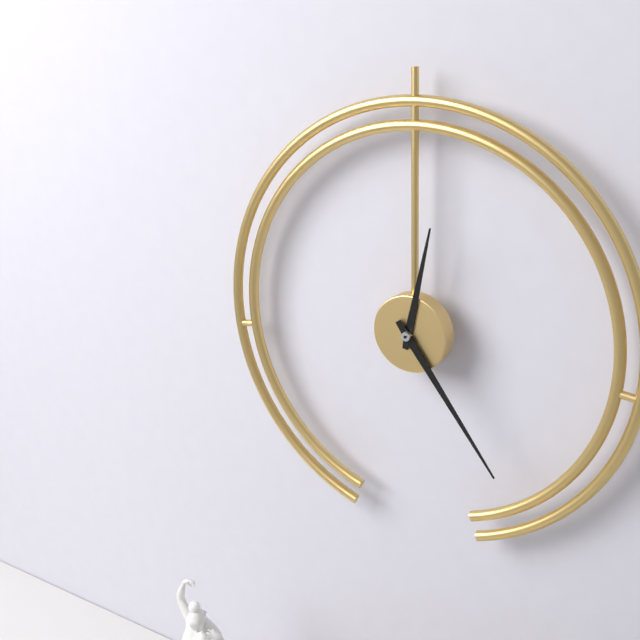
12:24
